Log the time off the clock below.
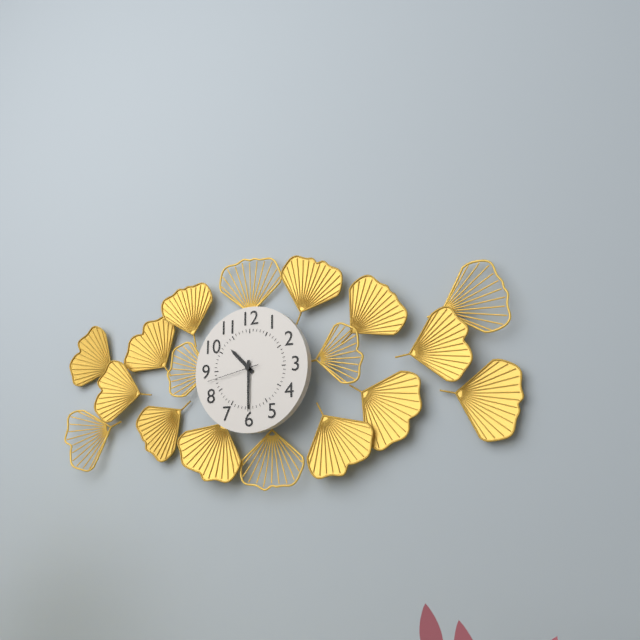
10:30:43
